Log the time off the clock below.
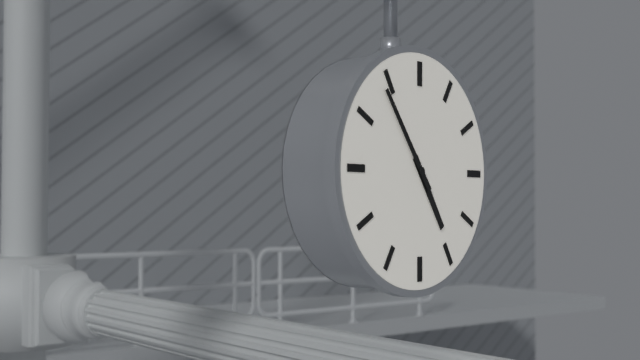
4:54
